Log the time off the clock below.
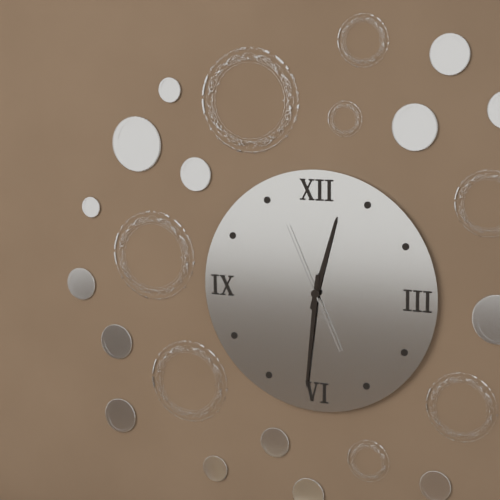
12:31:56
